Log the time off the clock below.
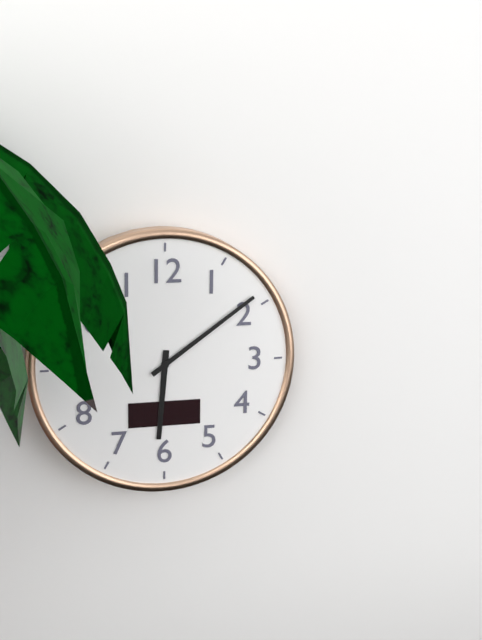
6:09
